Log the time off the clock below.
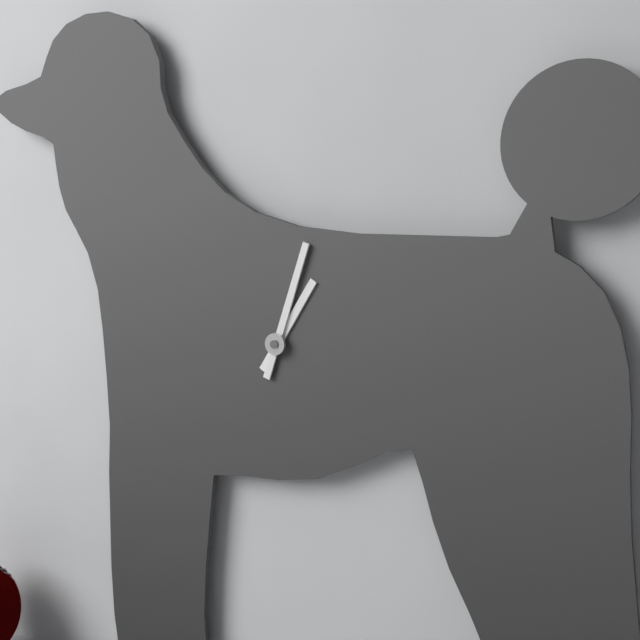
1:03
